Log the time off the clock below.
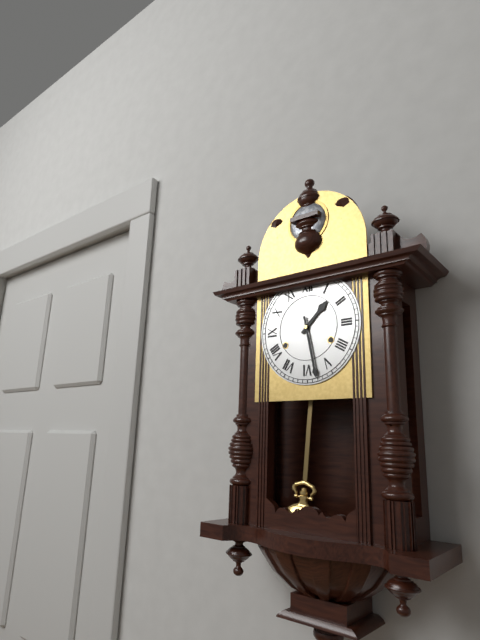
1:28
